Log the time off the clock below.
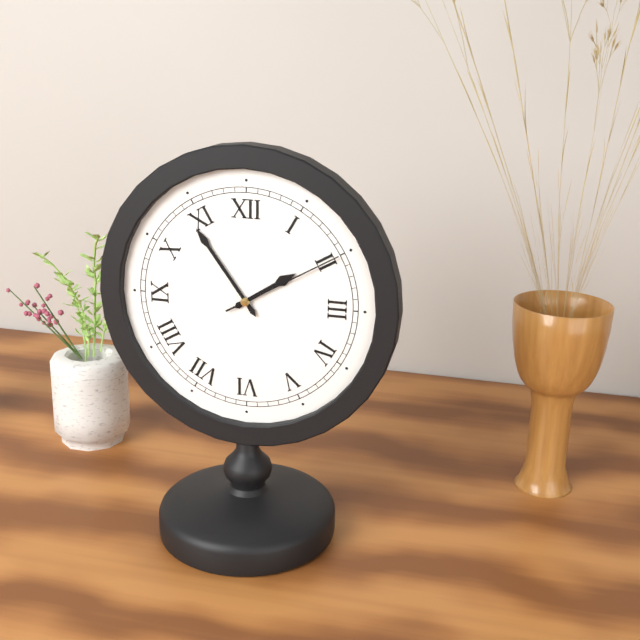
1:54:10
